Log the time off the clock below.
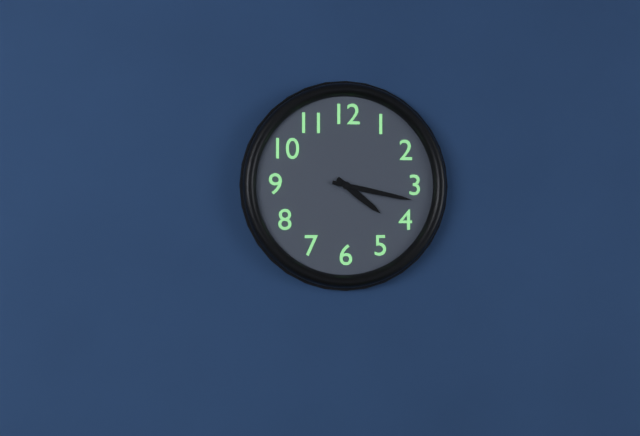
4:17
